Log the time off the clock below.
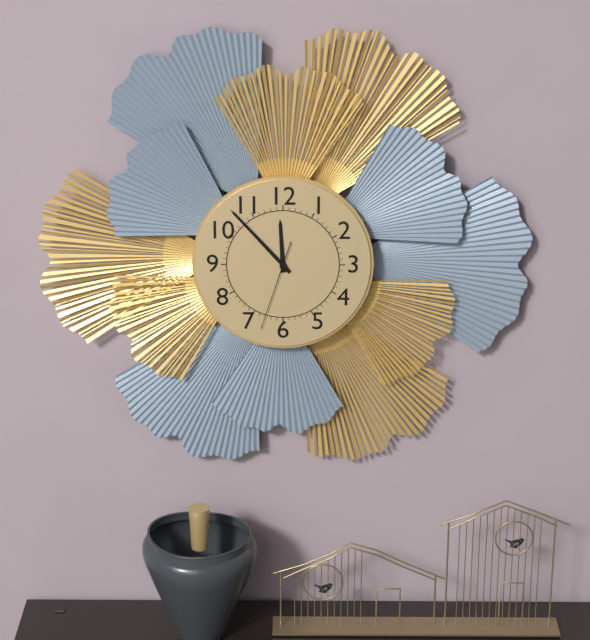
11:53:33
